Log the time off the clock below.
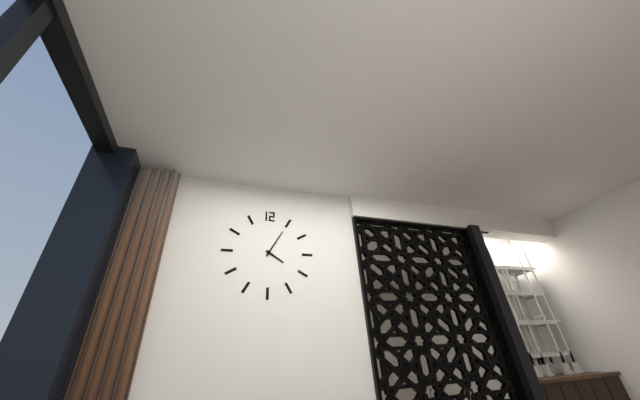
4:05
